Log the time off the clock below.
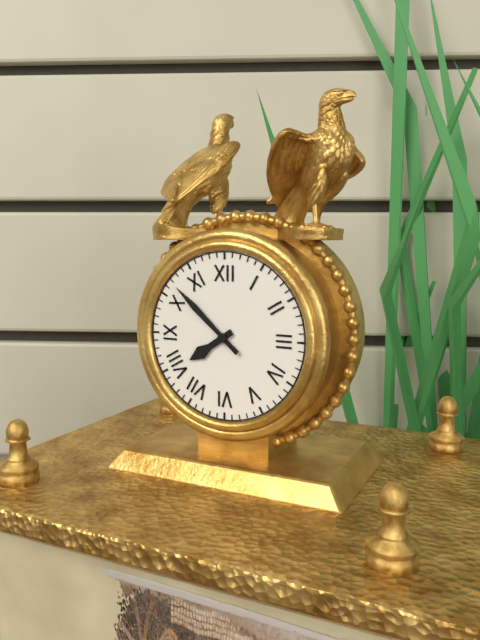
7:52
